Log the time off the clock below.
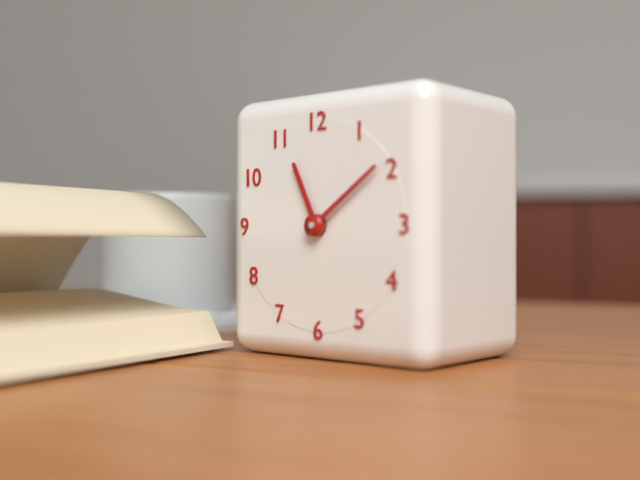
11:09
